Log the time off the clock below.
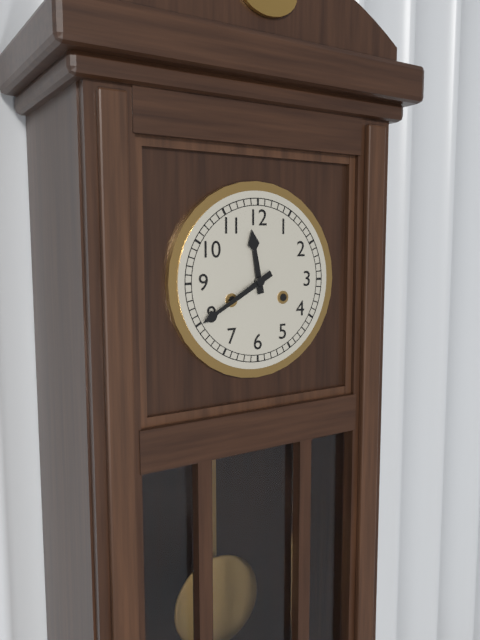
11:40
